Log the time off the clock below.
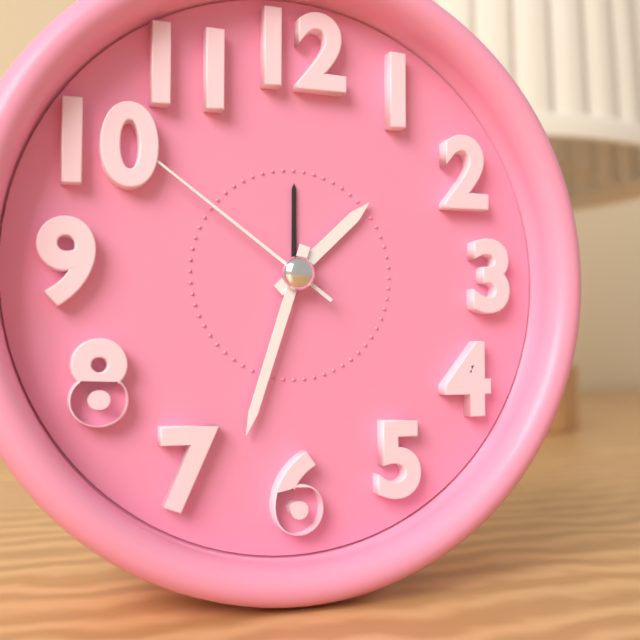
1:33:51
